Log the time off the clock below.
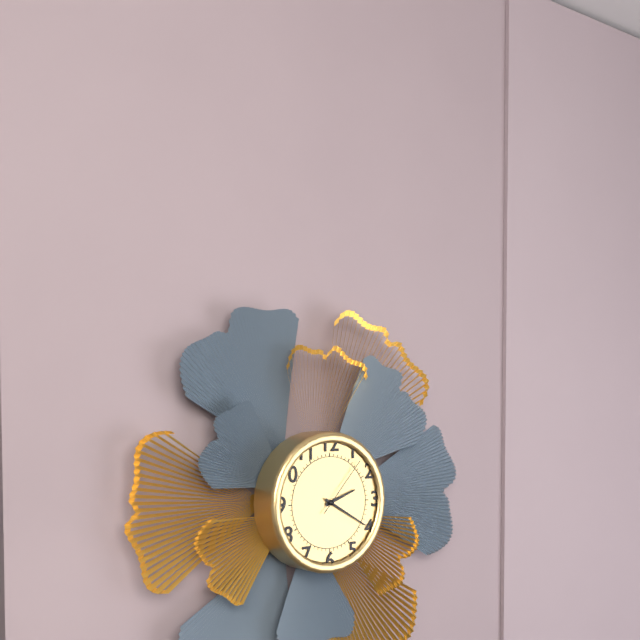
2:20:07
